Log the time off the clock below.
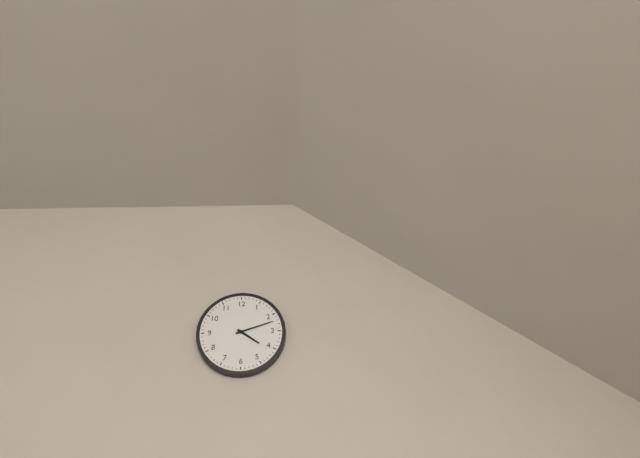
4:12
